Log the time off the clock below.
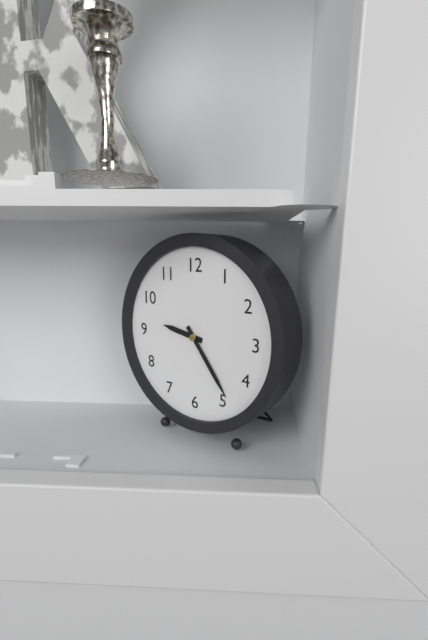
9:24
